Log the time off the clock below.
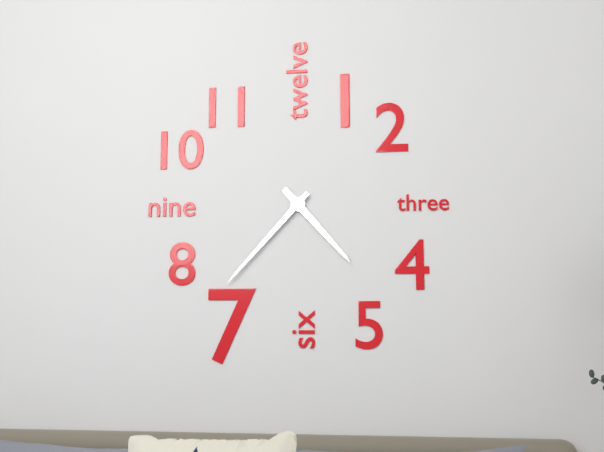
4:37
